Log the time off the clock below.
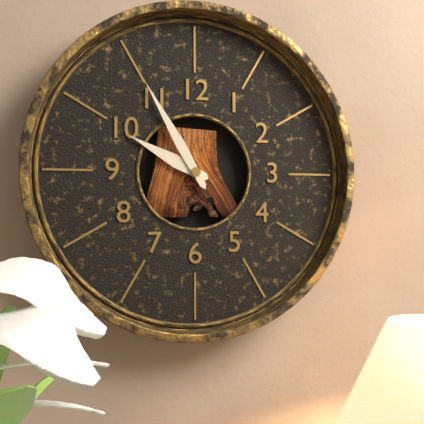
9:55
